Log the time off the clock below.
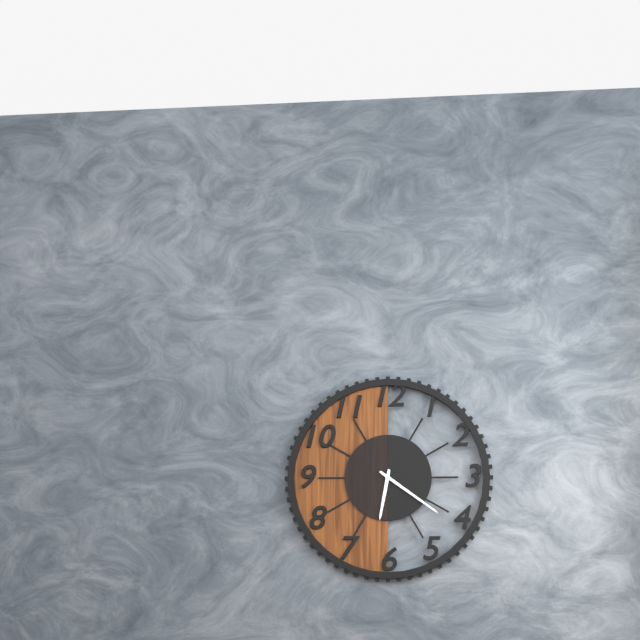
6:21
